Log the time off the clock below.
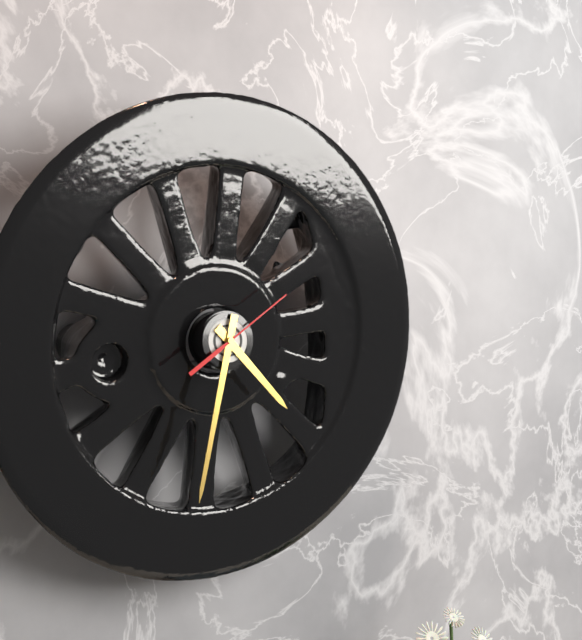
4:32:09
